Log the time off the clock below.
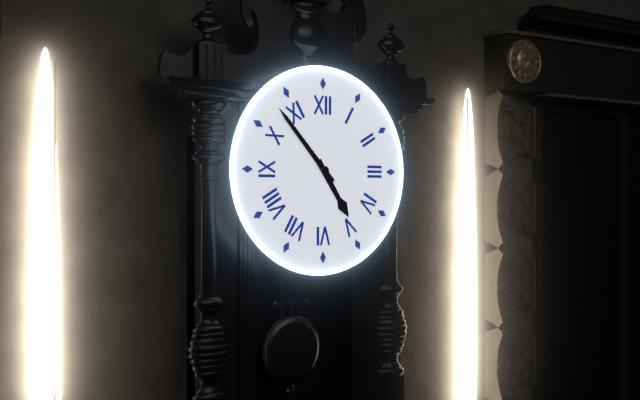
4:53
